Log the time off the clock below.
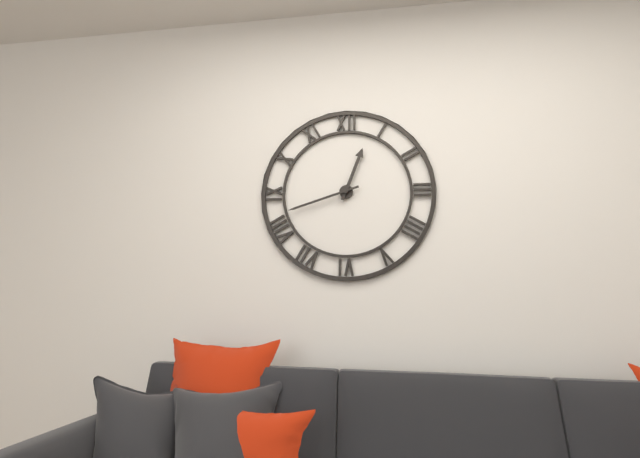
12:42
